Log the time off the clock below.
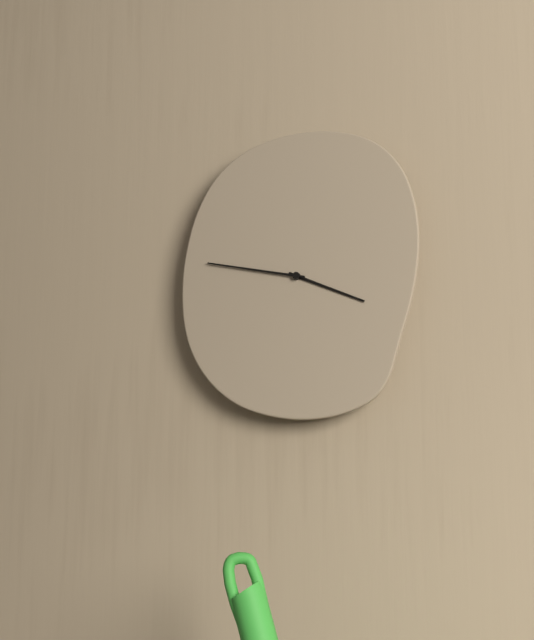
3:47
